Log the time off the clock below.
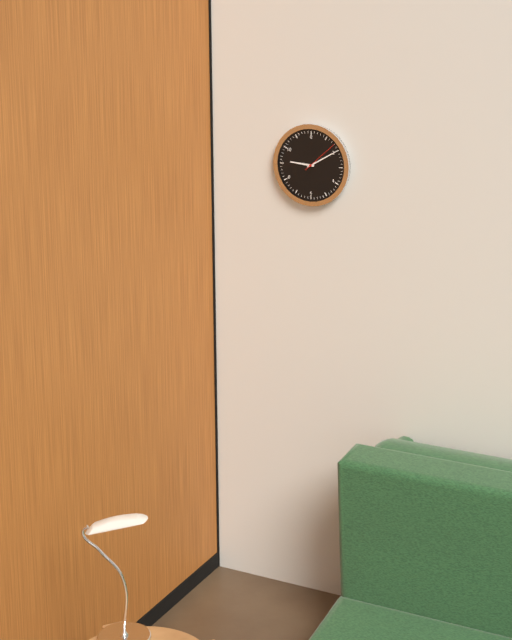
9:10
